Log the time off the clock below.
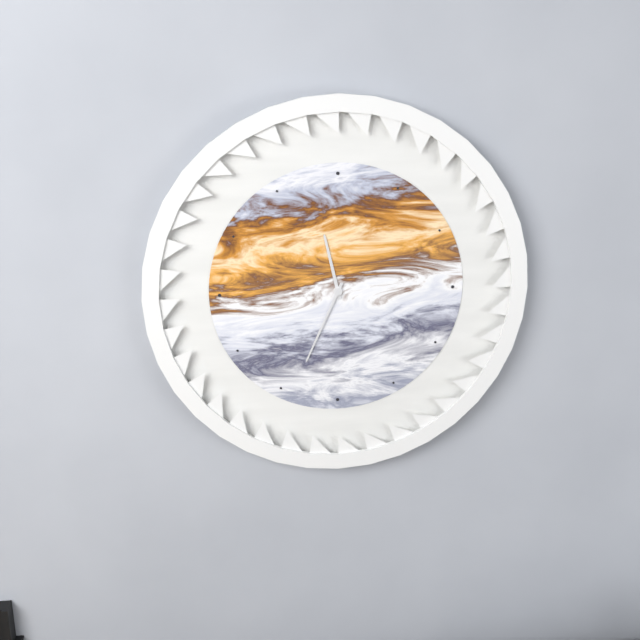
11:34
